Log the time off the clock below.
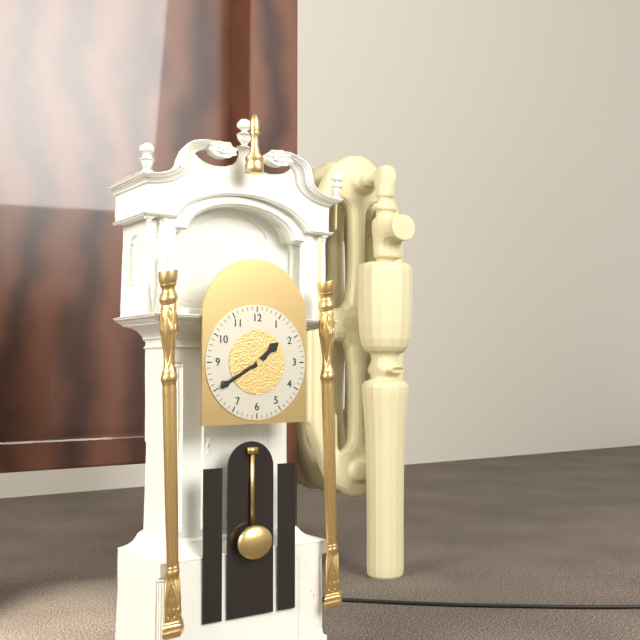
1:40
